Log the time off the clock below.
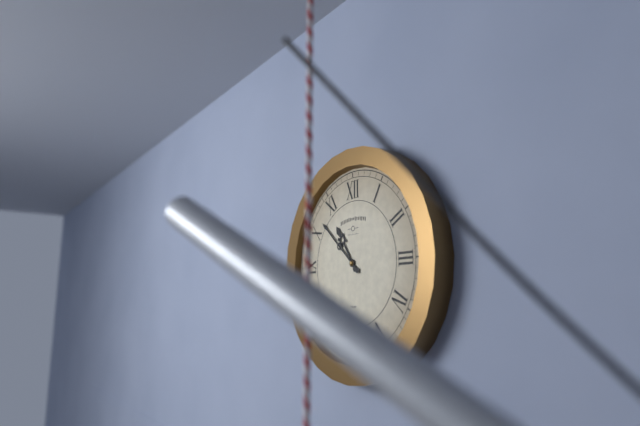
10:52
